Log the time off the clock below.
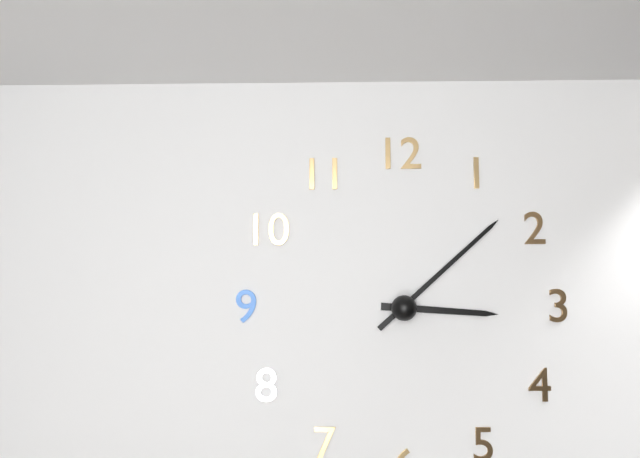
3:08
